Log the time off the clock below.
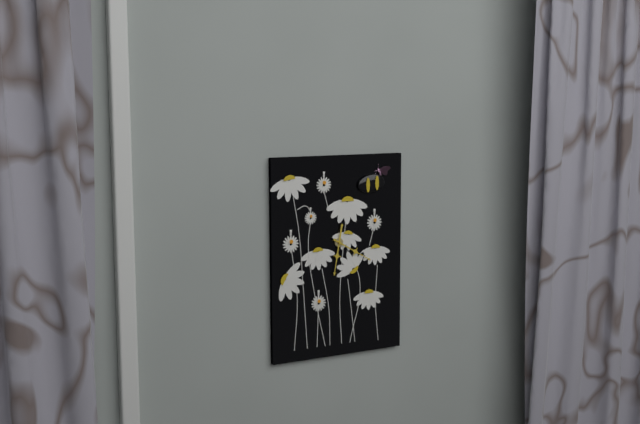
6:20
